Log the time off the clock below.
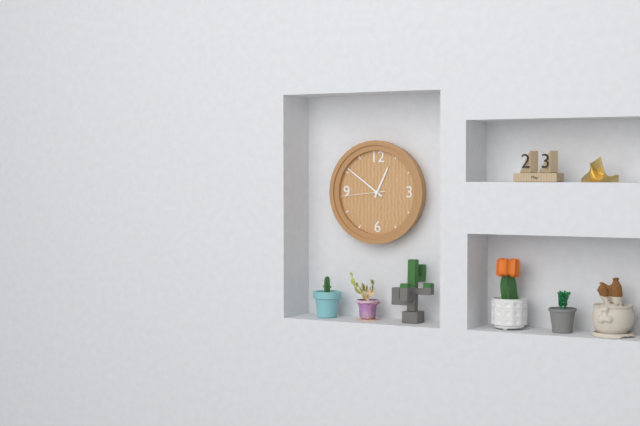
12:51
